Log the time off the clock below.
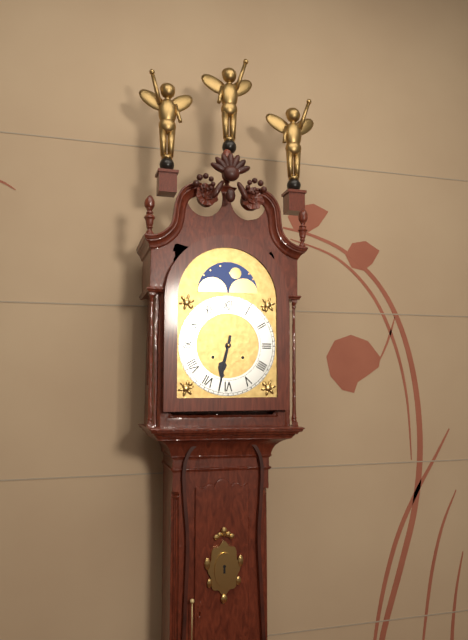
6:32
